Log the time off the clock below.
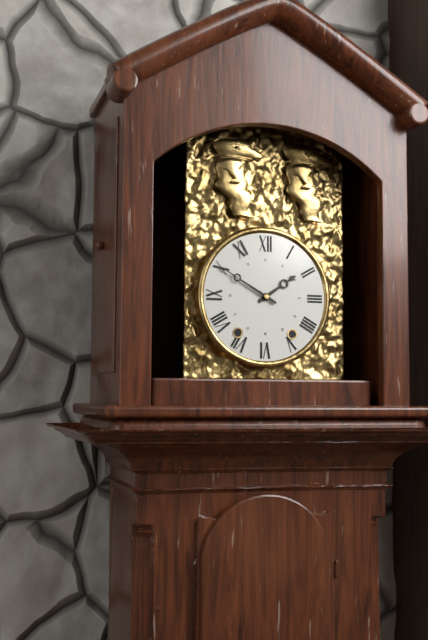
1:50
